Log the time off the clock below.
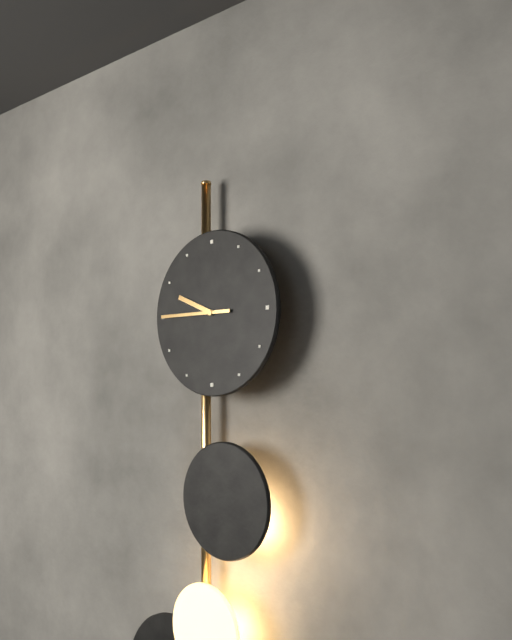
9:45
